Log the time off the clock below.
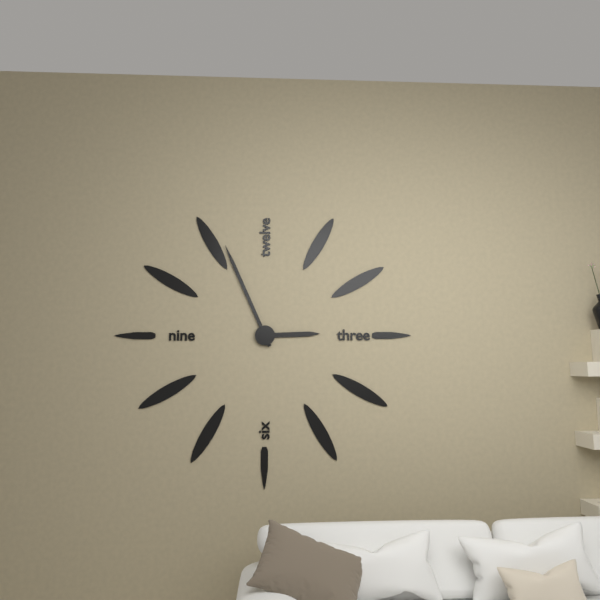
2:56
